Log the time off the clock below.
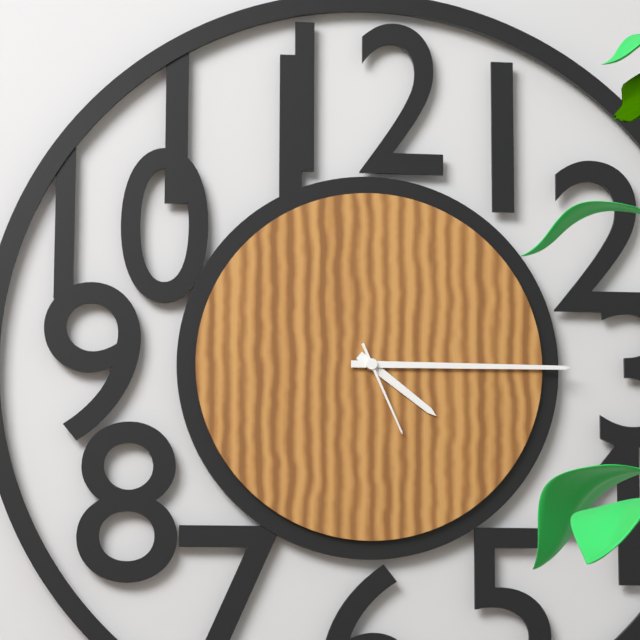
4:15:26
